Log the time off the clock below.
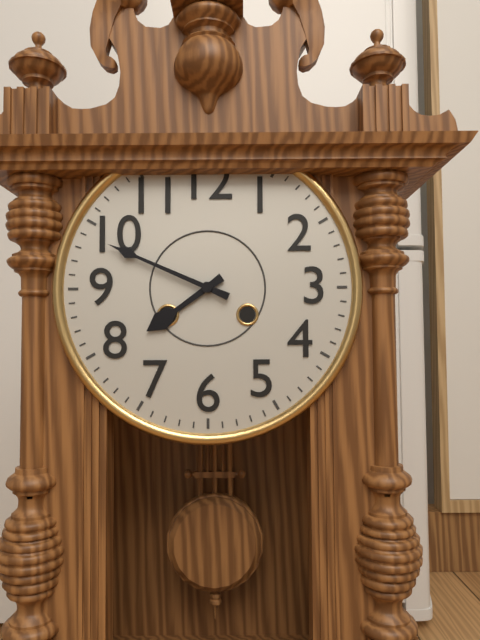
7:49
